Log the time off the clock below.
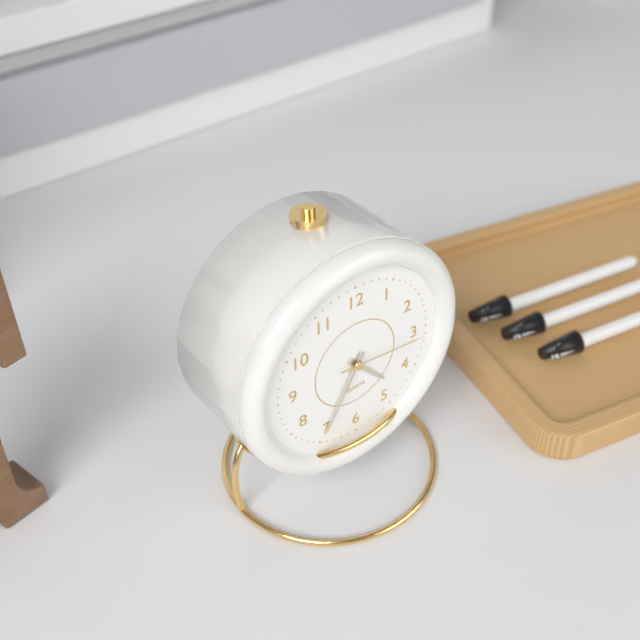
4:35:16
